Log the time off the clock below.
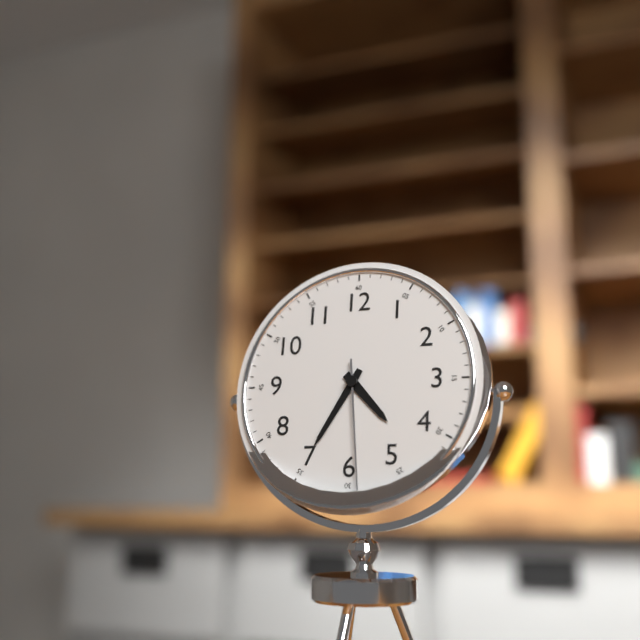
4:35:29
